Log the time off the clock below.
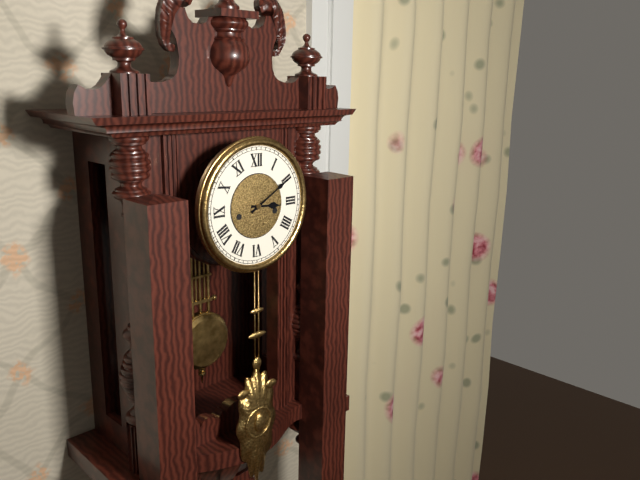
3:10
